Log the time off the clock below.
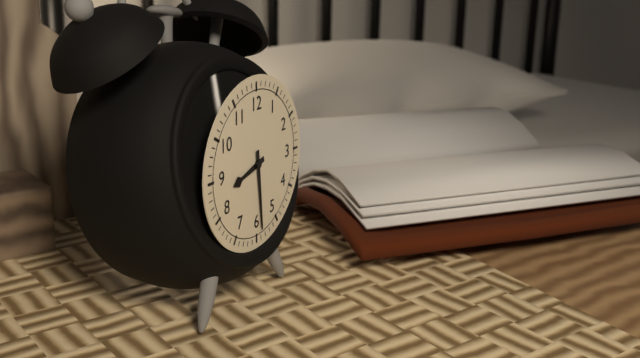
8:29
